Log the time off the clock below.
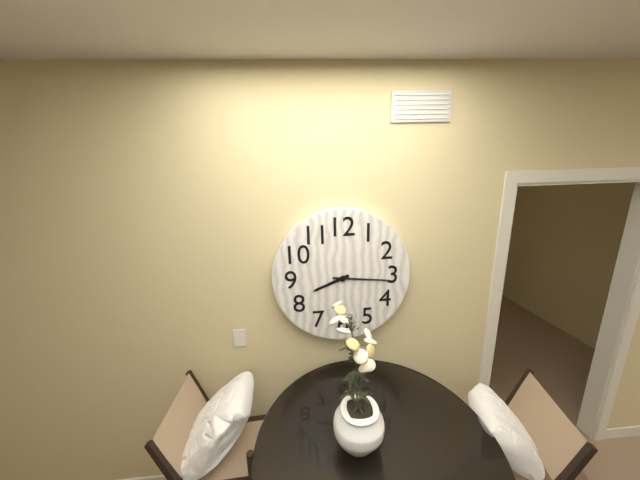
8:16
